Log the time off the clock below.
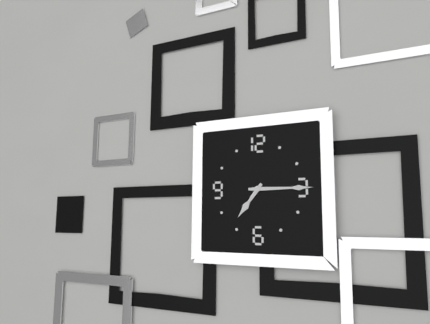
7:15
